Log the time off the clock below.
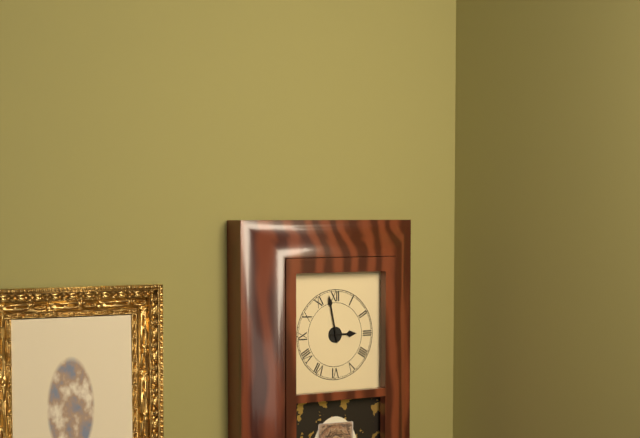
2:58
